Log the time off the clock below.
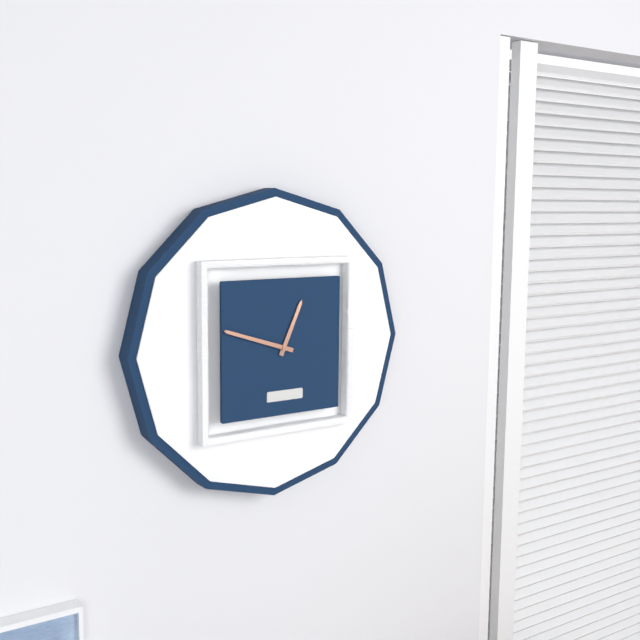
12:48
